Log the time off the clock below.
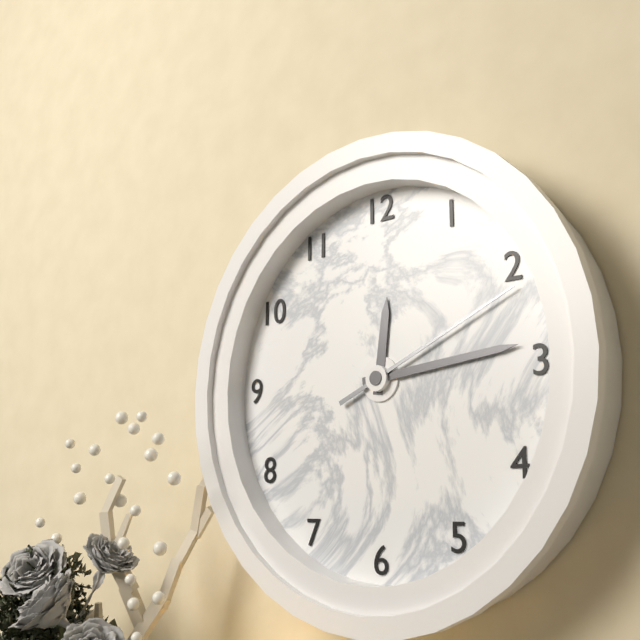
12:14:11
